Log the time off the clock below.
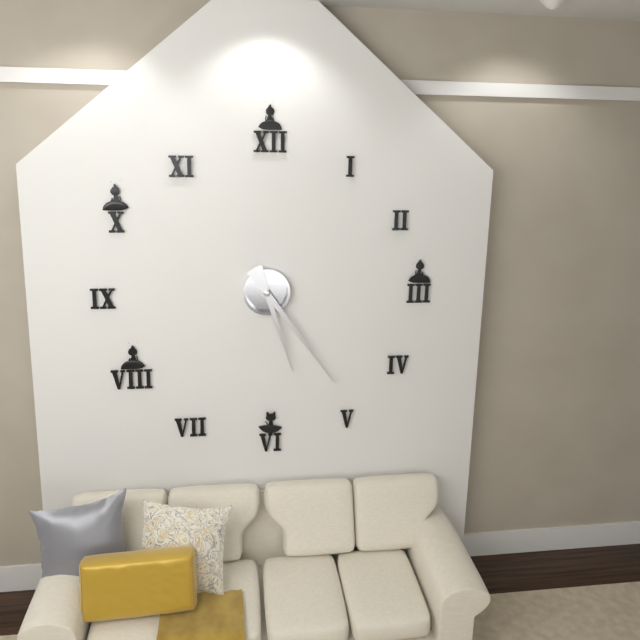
5:24
